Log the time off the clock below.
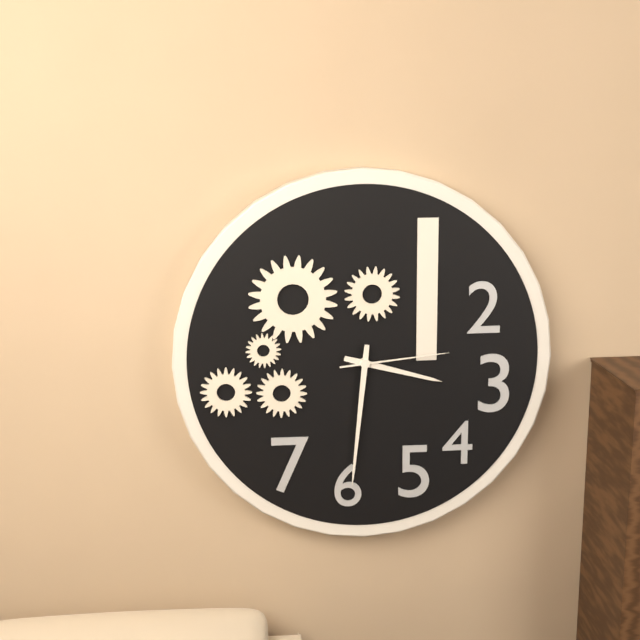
3:31:14
